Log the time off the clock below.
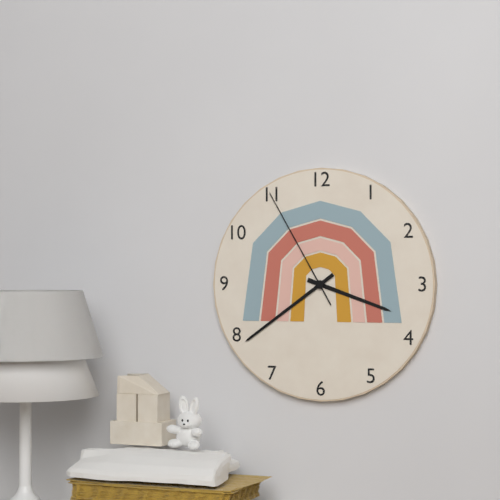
3:39:55
